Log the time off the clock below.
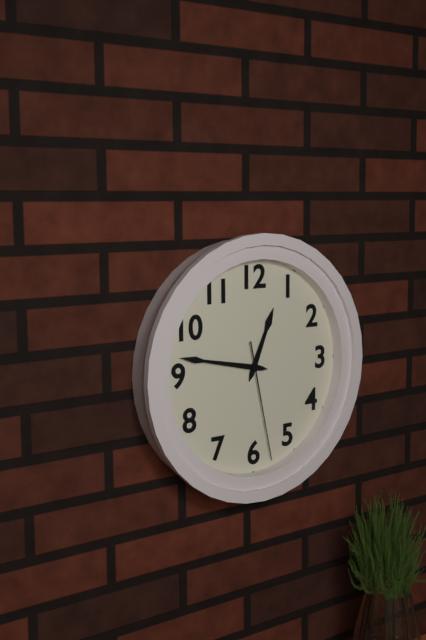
12:47:28
